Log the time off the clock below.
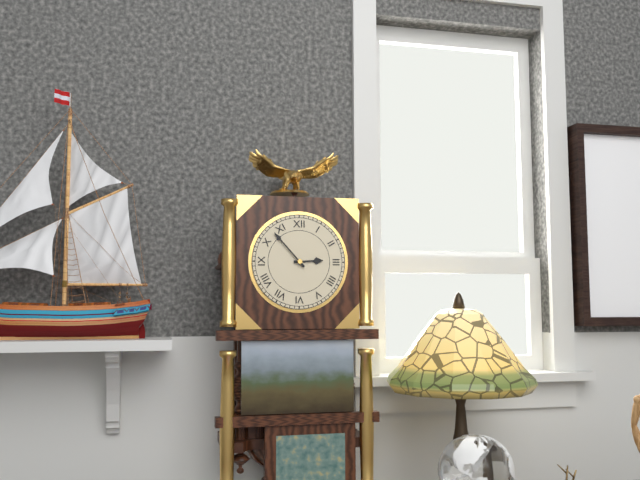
2:53
